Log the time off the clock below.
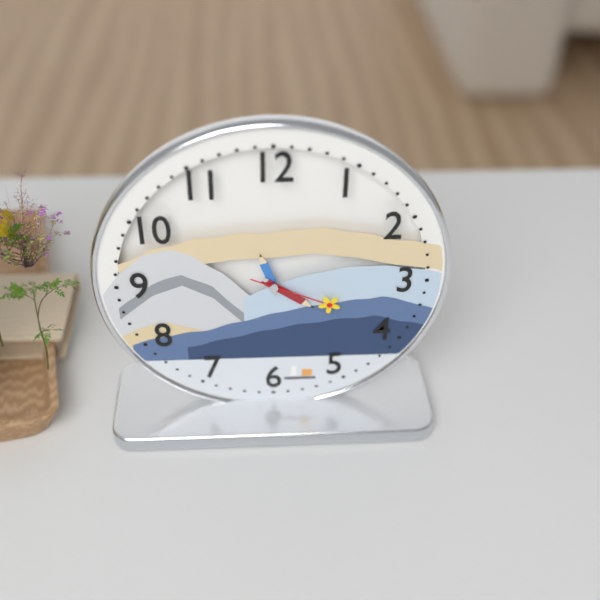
11:21:19
